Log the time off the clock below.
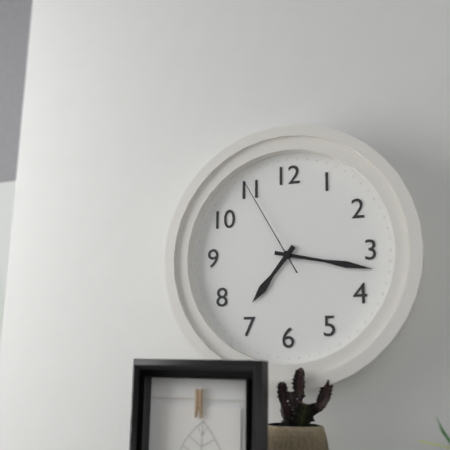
7:17:55
